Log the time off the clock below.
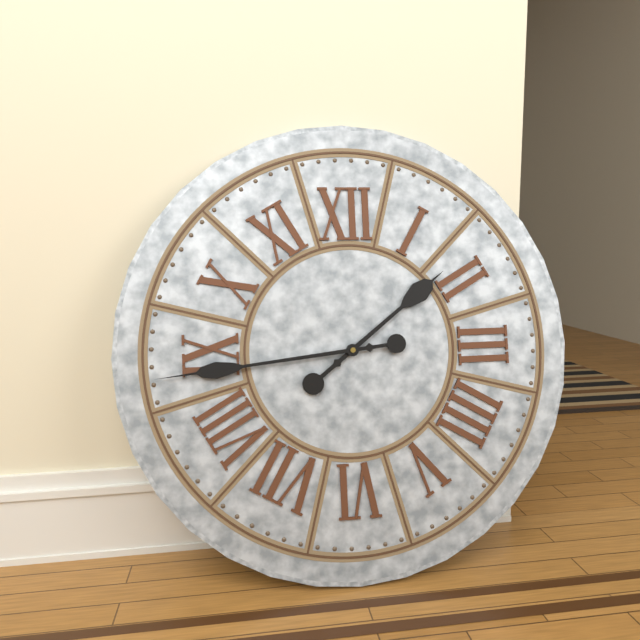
1:44
